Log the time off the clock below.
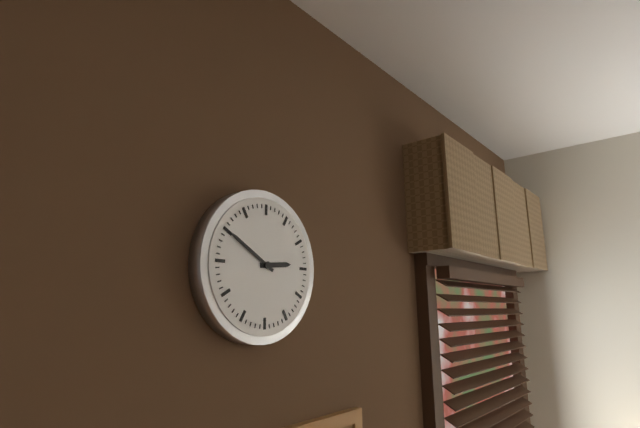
2:50
